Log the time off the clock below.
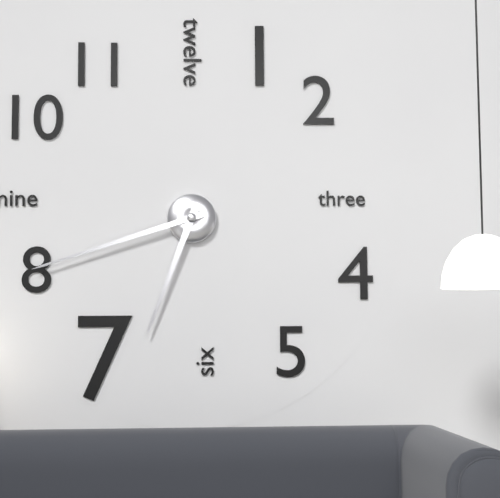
6:42
